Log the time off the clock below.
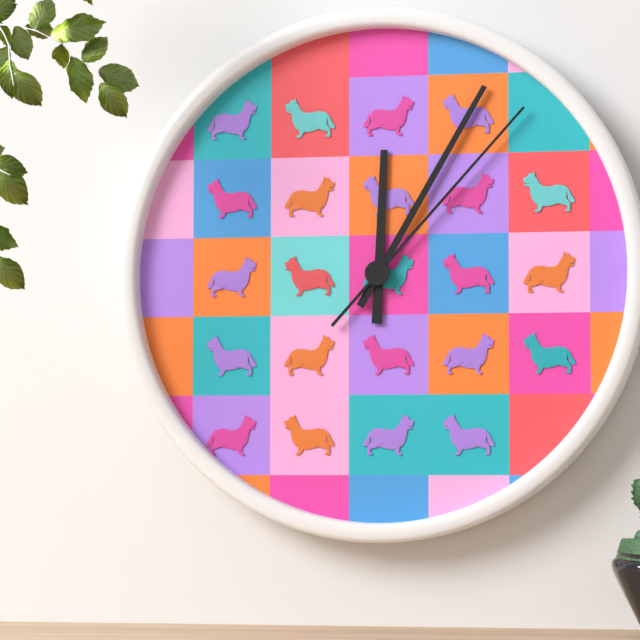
12:05:07
